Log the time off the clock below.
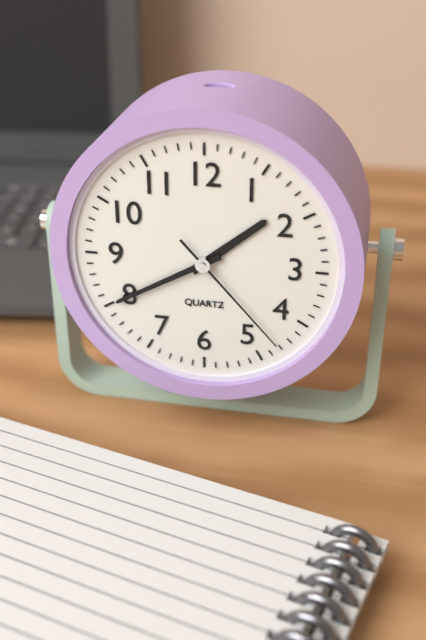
1:40:23
